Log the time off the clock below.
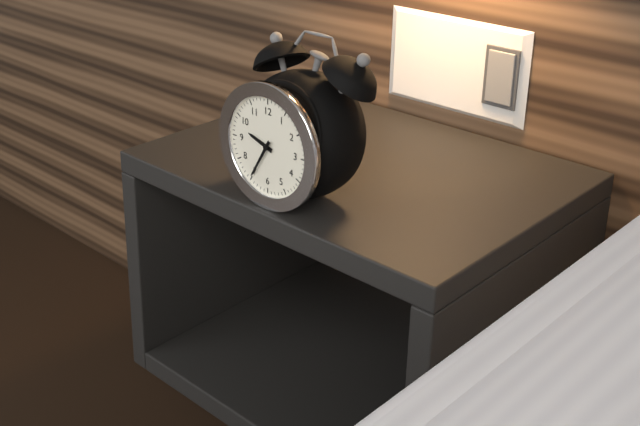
9:35
